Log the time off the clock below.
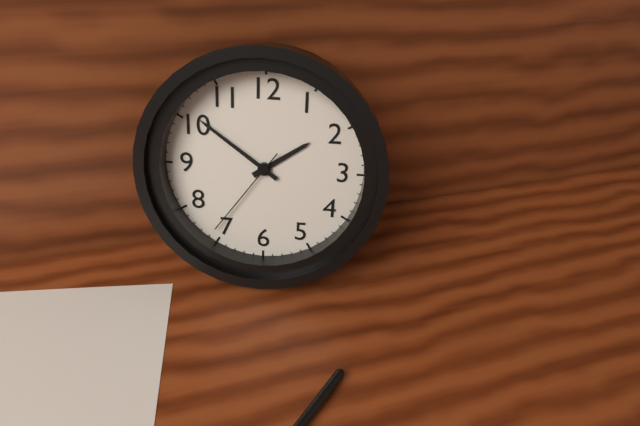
1:51:36
